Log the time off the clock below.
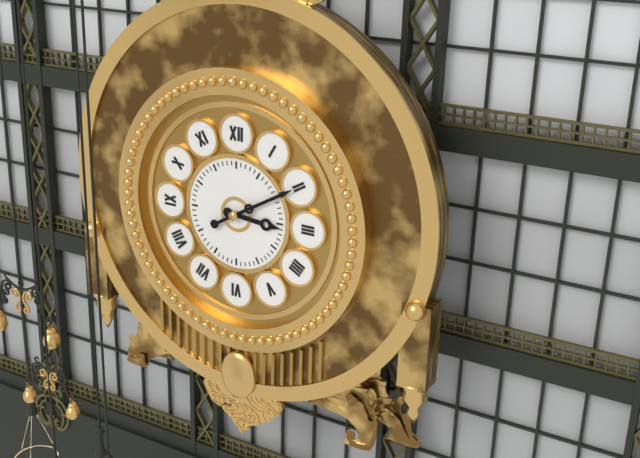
3:10
